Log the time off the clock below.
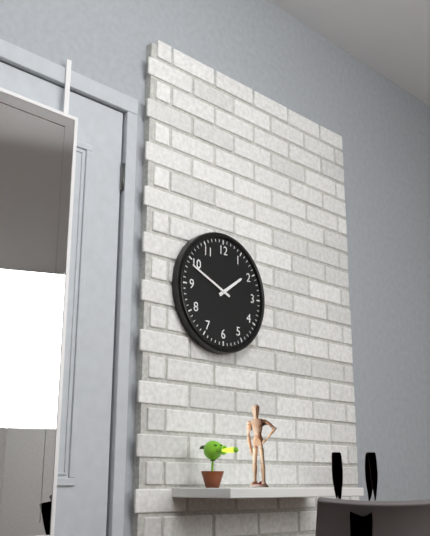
1:49
